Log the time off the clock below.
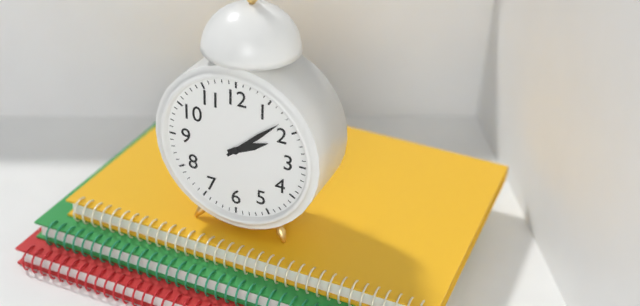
2:08
